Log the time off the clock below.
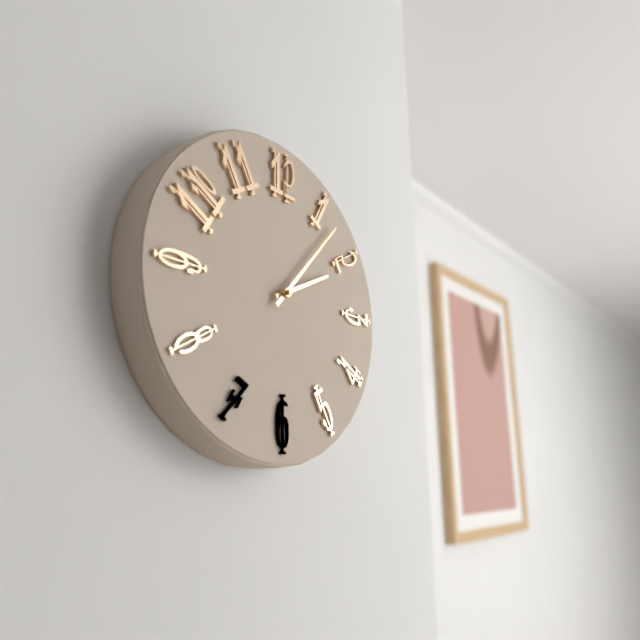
2:07
